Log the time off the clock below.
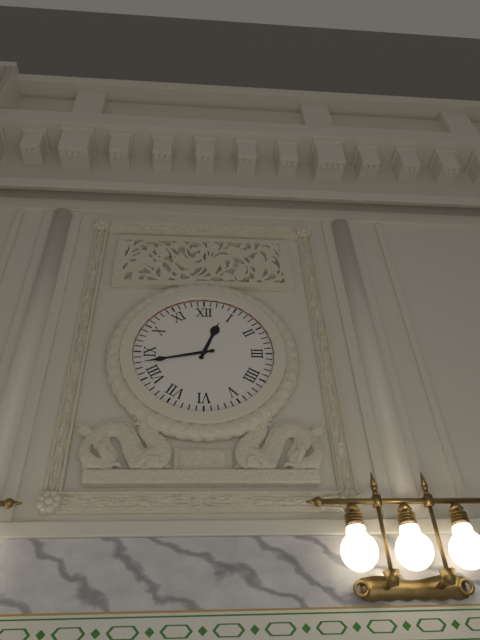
12:43
